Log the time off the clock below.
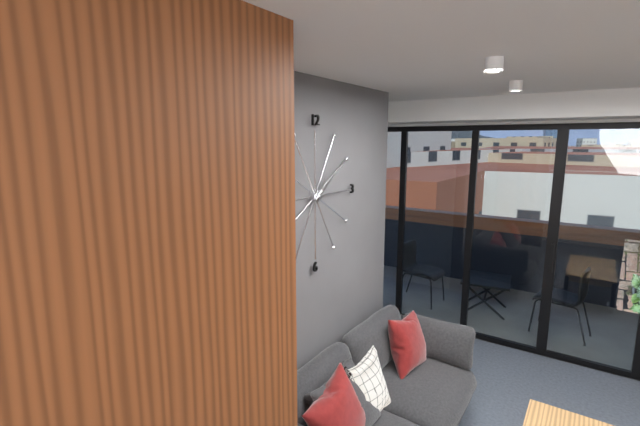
1:09
